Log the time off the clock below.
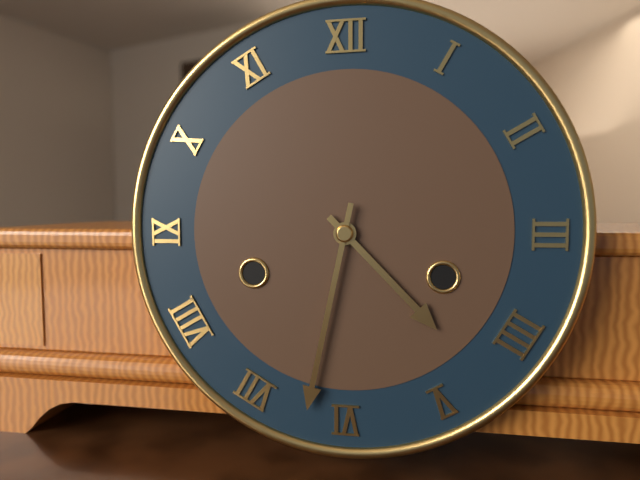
4:32
